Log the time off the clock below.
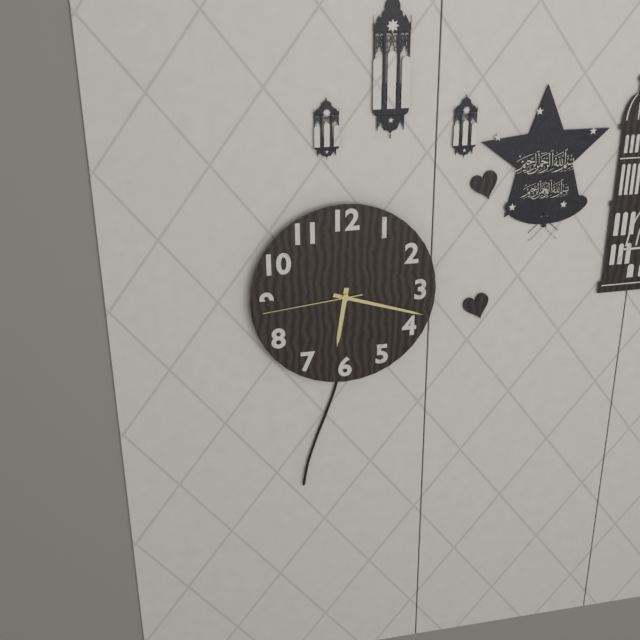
6:18:44
